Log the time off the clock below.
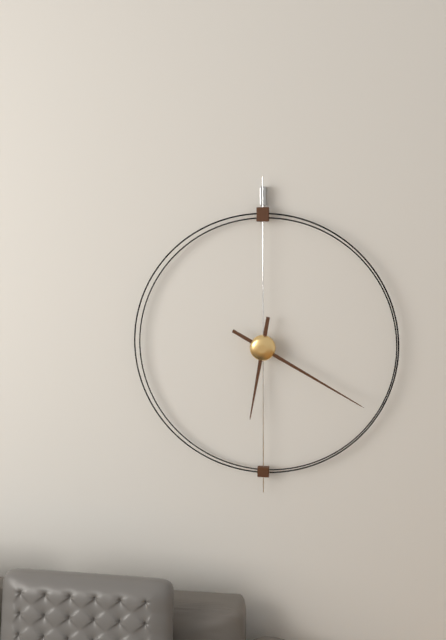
6:20
